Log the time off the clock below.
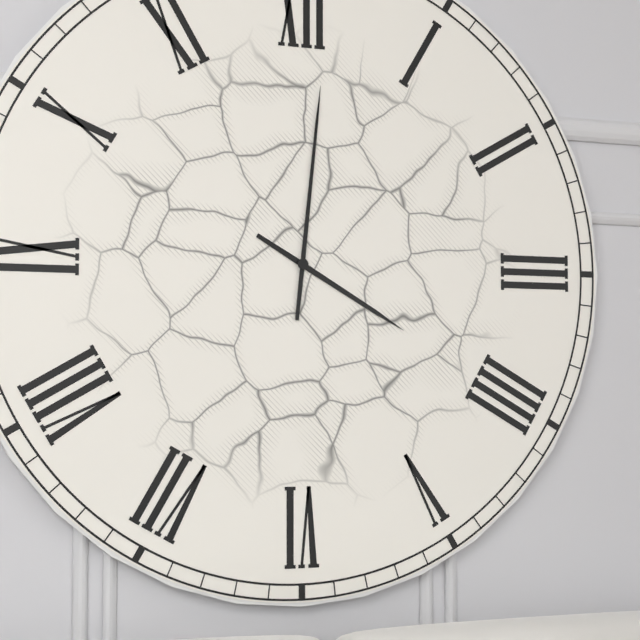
4:01
